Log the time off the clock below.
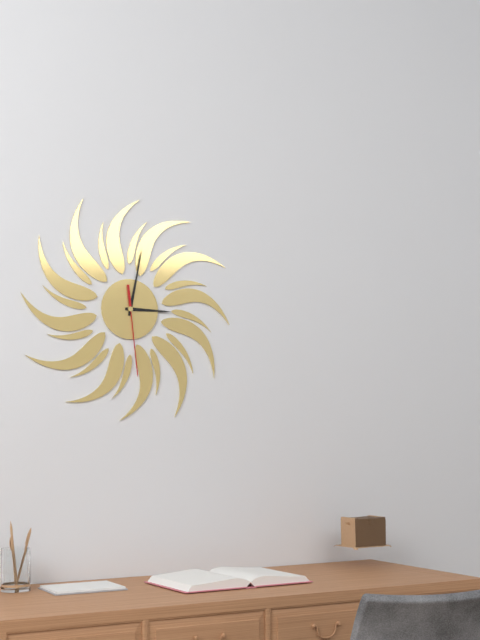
3:02:29
